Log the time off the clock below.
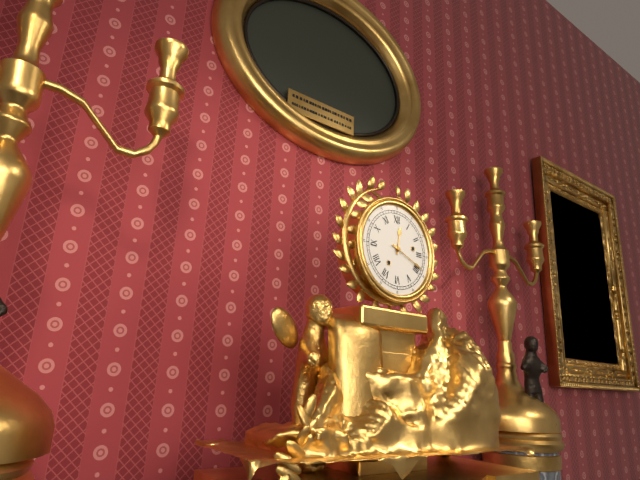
12:19
